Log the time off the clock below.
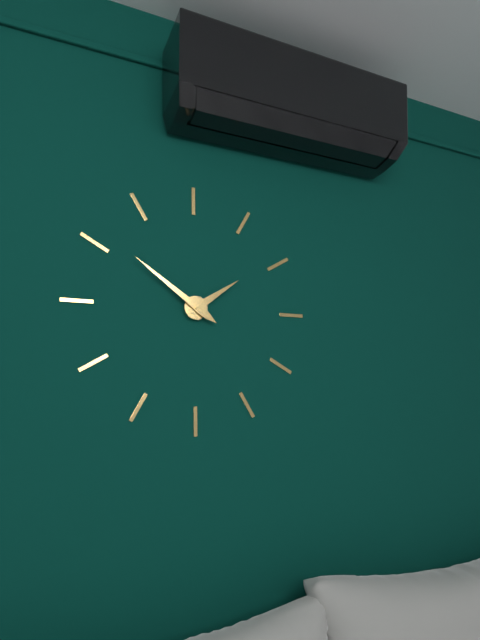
1:51
